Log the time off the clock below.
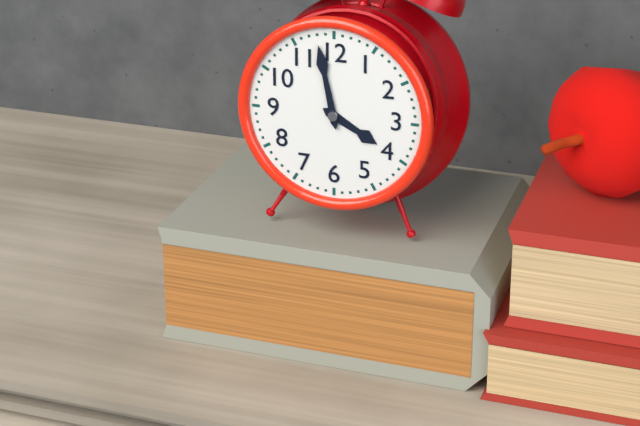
3:58
